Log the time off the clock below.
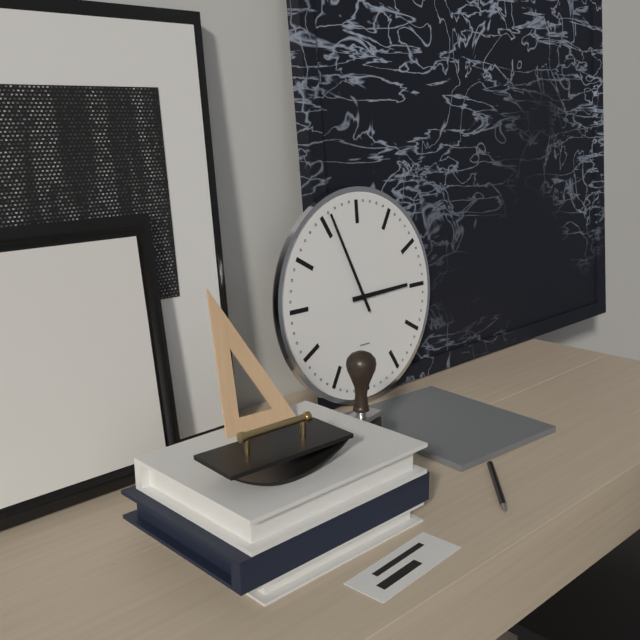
2:56
